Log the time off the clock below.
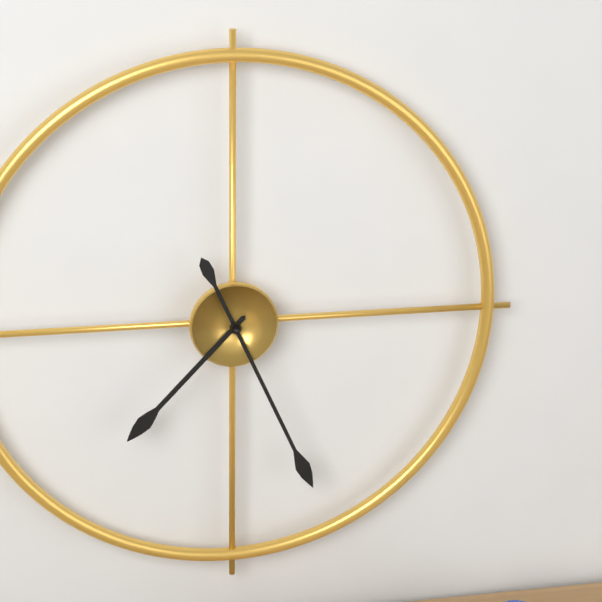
7:26
